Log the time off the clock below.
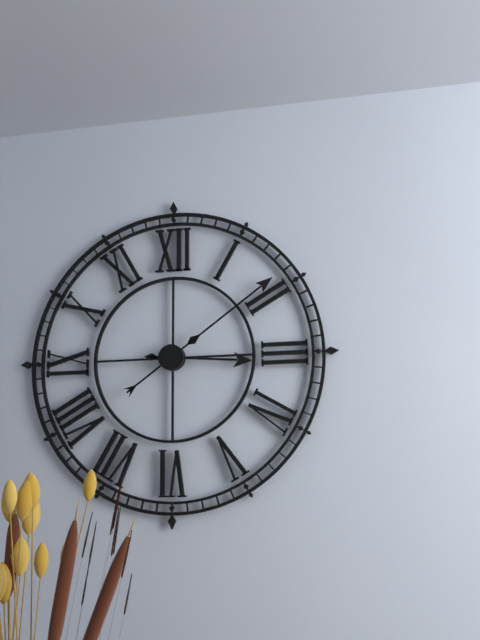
3:09
